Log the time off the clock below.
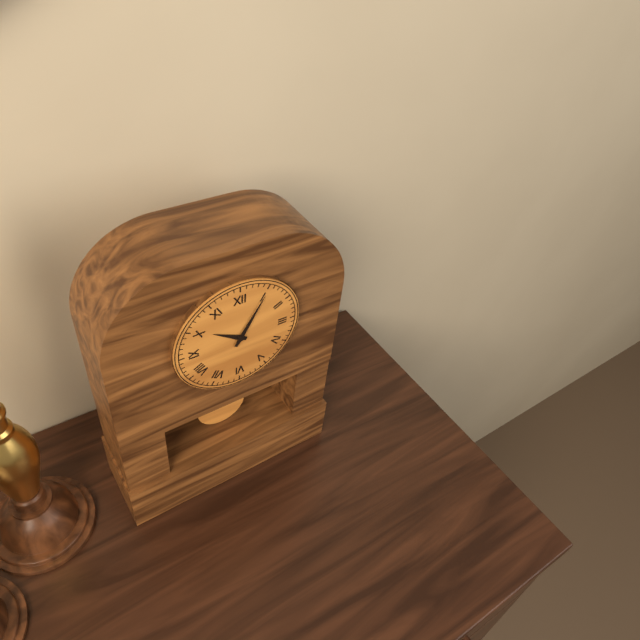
10:05
